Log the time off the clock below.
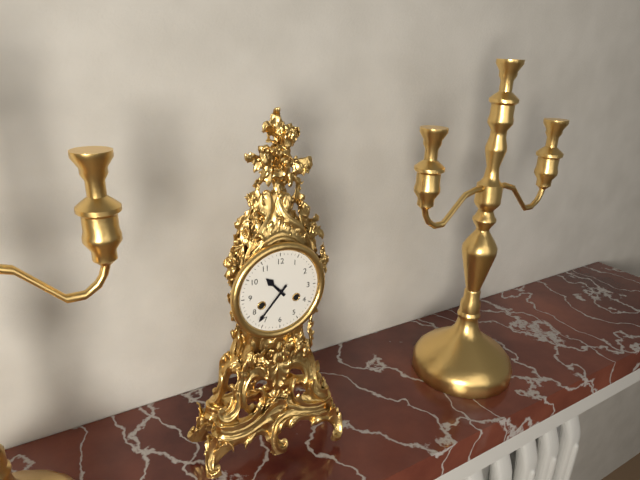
10:37
